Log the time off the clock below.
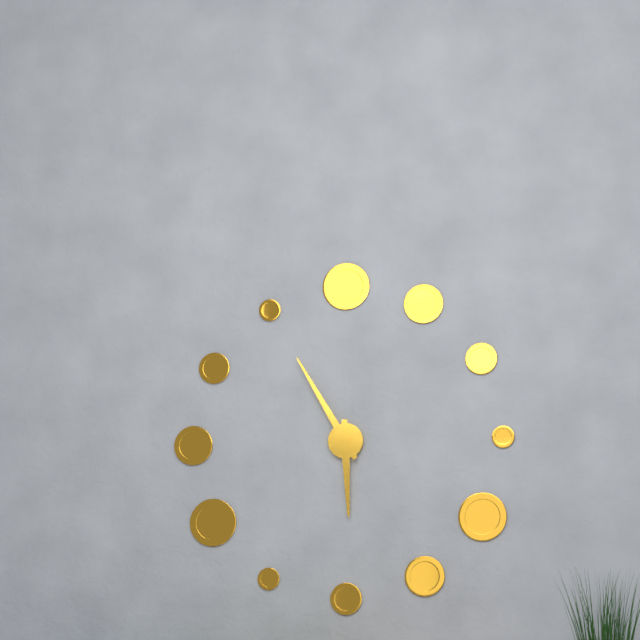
5:55
